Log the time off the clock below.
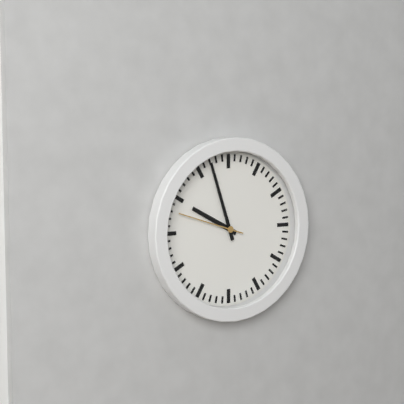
9:57:48
